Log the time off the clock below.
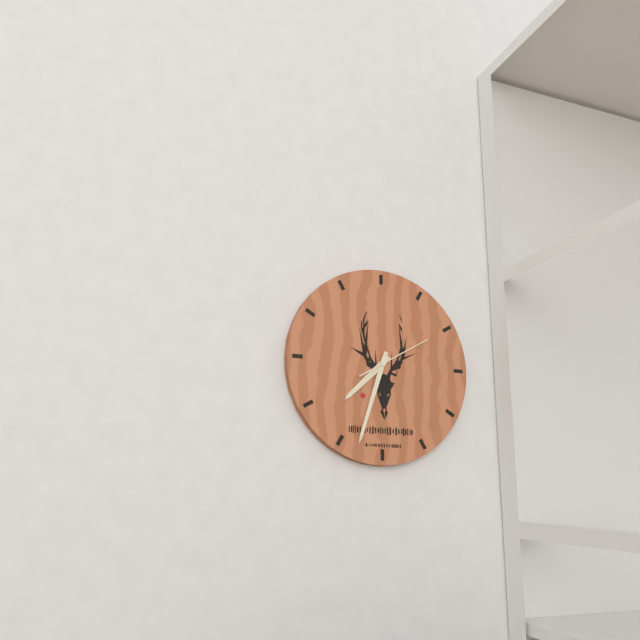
7:33:10
